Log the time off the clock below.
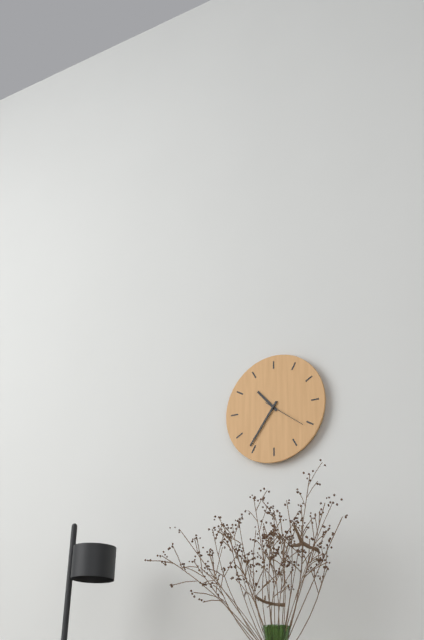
10:36
